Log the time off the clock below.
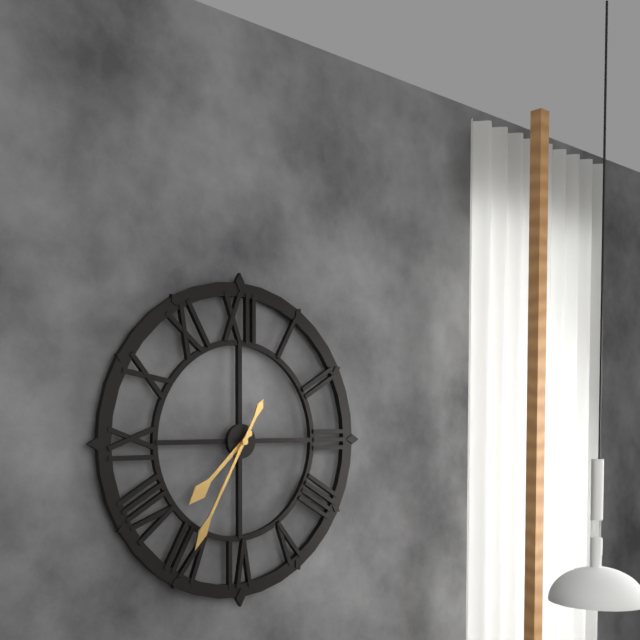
7:35
